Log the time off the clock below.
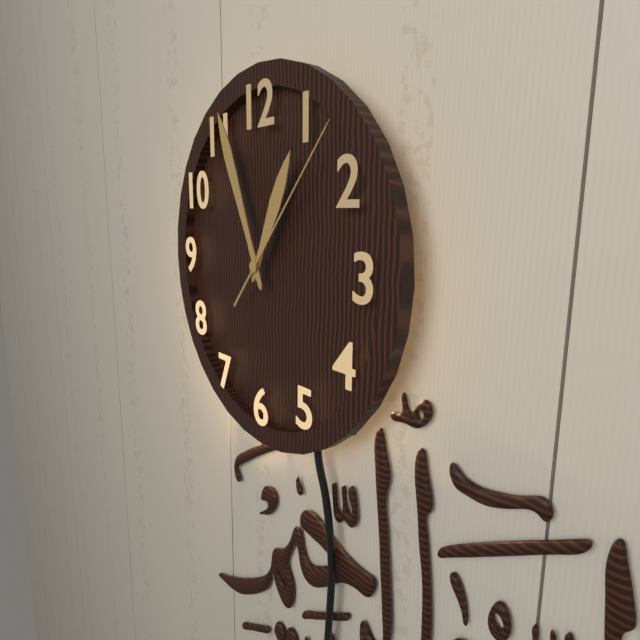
12:56:07
